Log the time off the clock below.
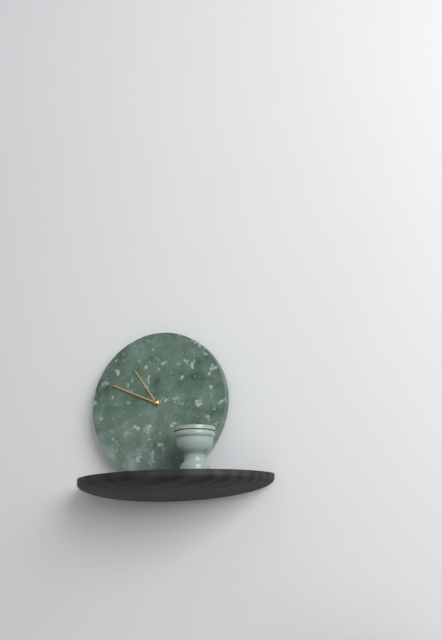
10:49
